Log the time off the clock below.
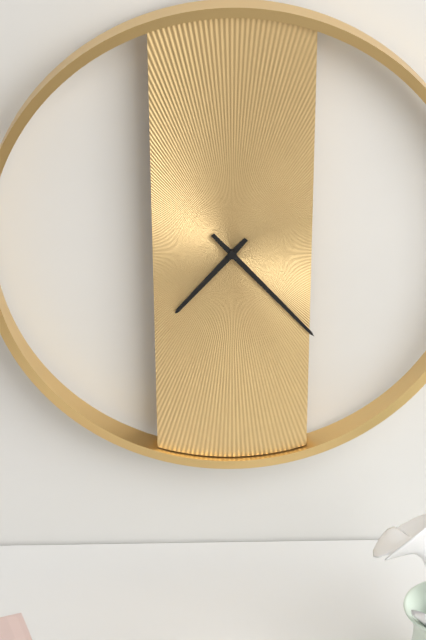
7:23
